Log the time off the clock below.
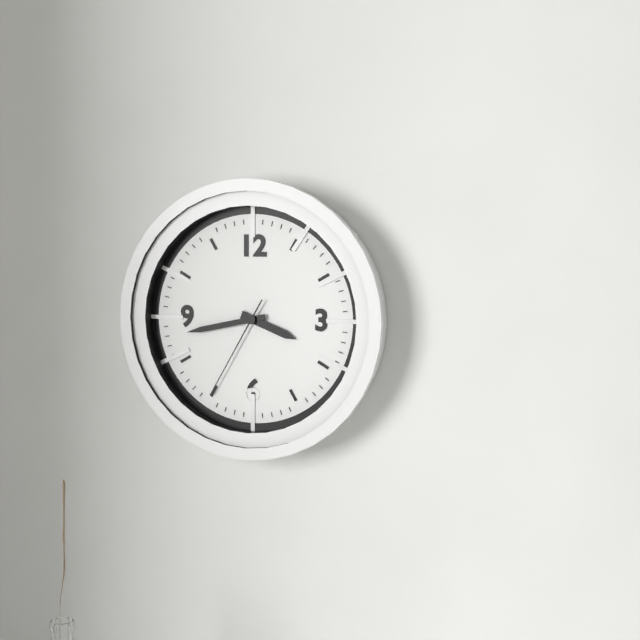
3:43:35
